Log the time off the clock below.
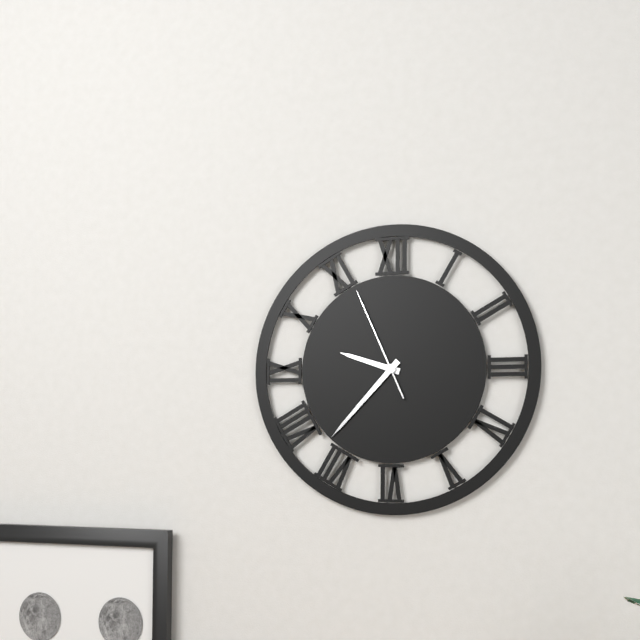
9:37:56
